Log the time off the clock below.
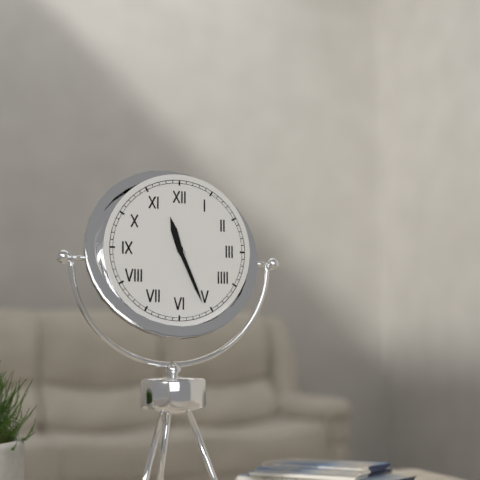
11:26
